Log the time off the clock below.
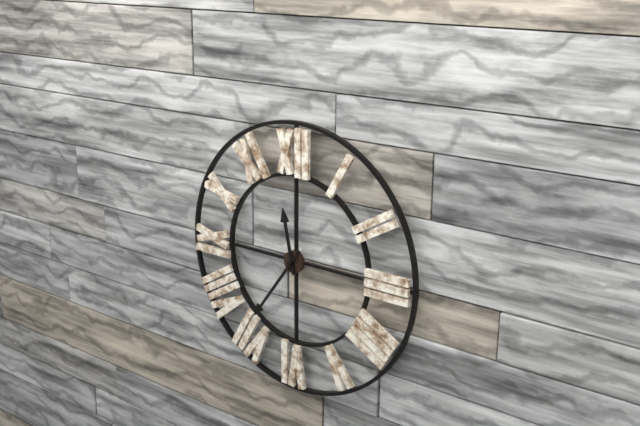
11:36
